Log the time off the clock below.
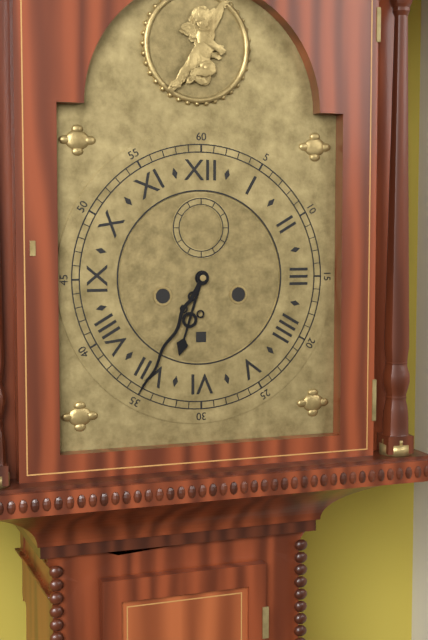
6:35
